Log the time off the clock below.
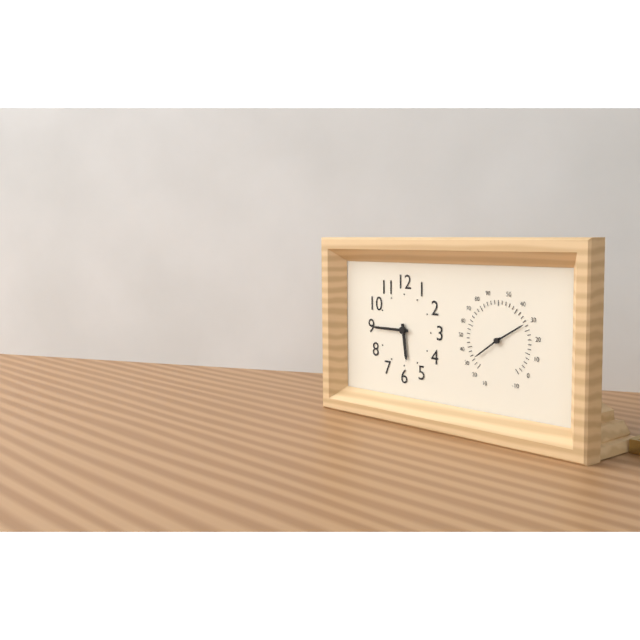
5:45
